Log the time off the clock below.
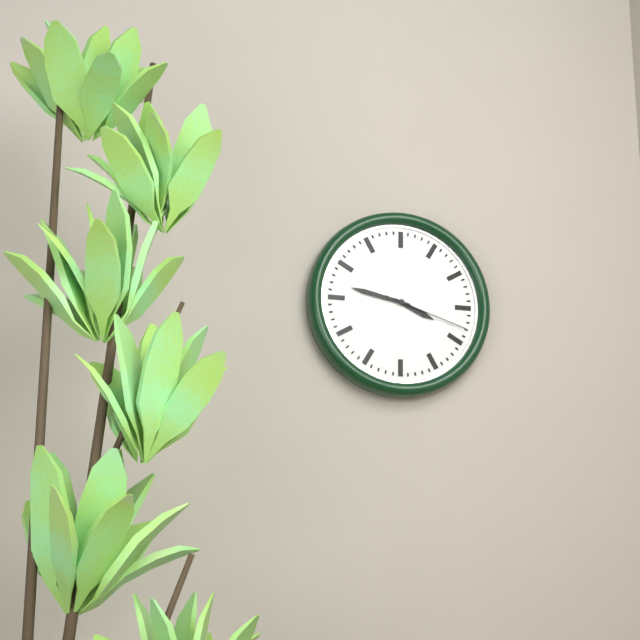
3:47:18
